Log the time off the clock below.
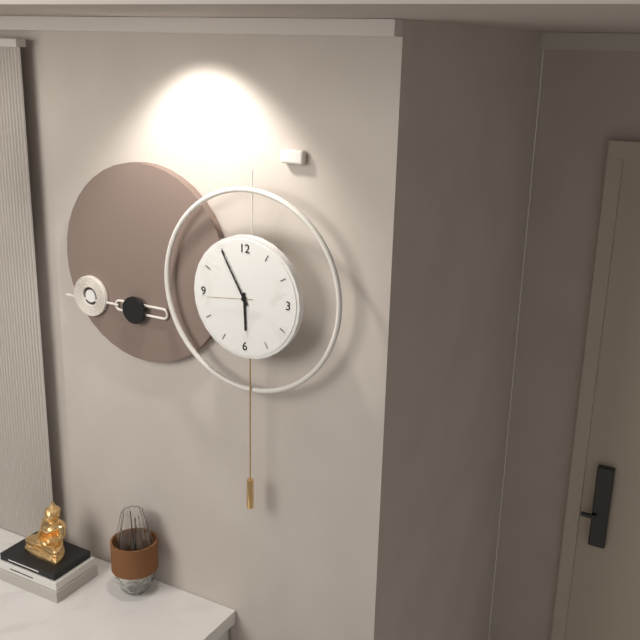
5:55
